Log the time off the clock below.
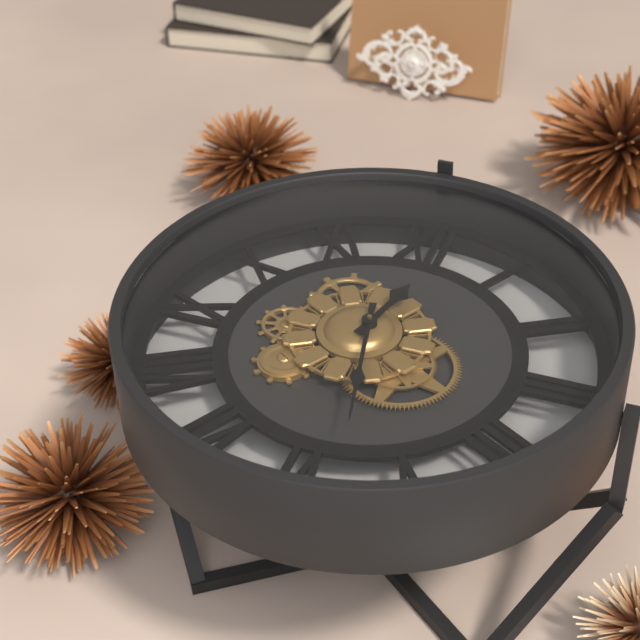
12:28
